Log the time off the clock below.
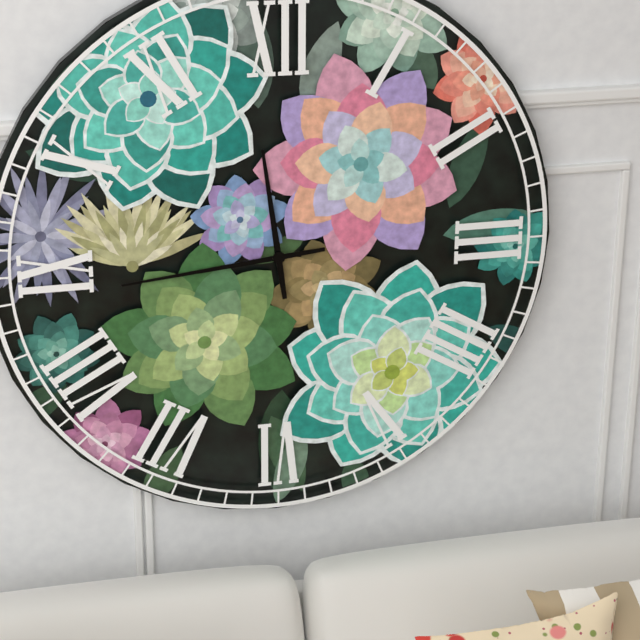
11:44
